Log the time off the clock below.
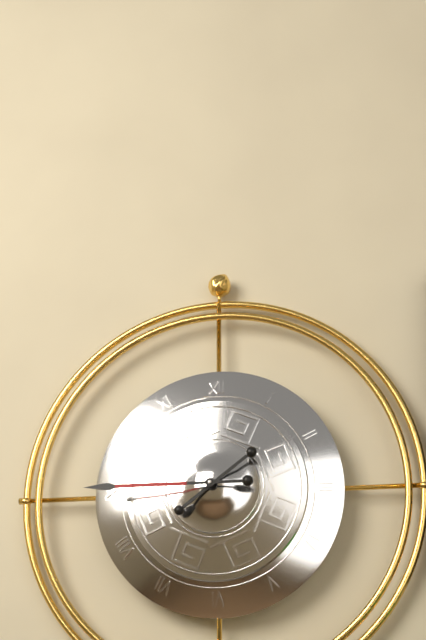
1:45
